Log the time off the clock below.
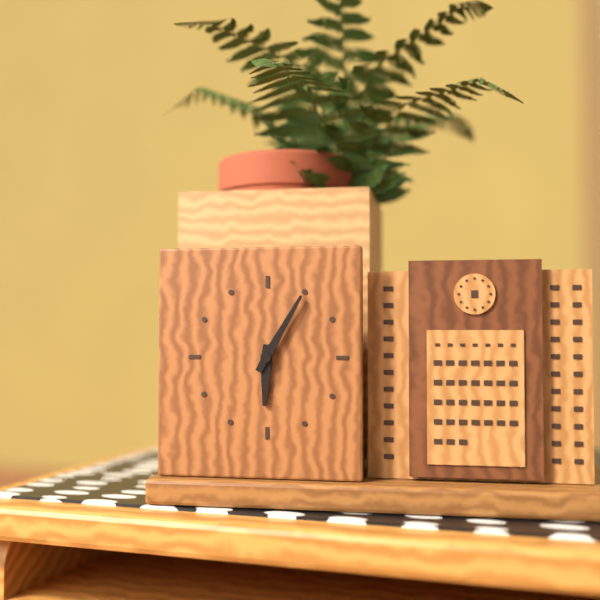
6:05
